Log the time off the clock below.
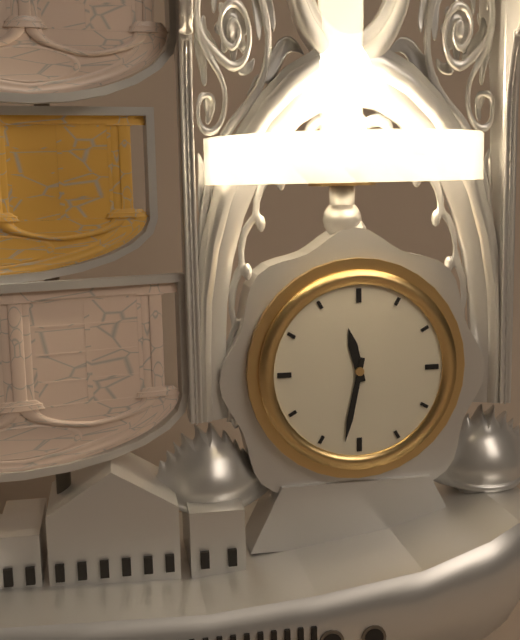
11:32
